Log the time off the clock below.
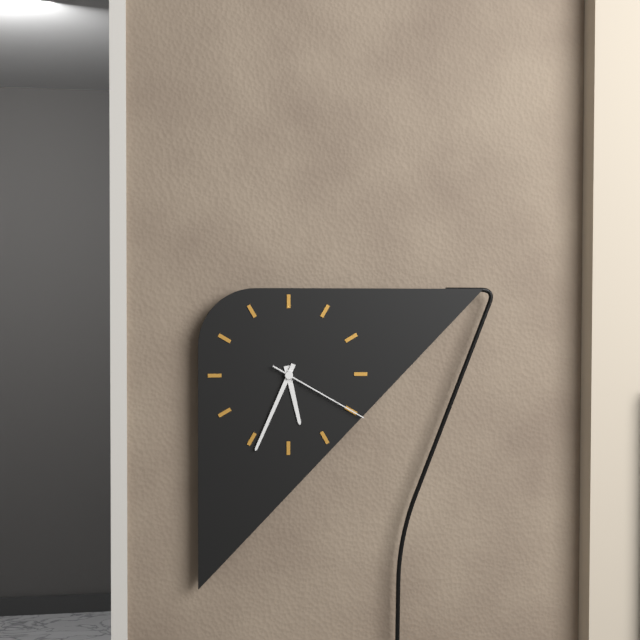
5:34:20
